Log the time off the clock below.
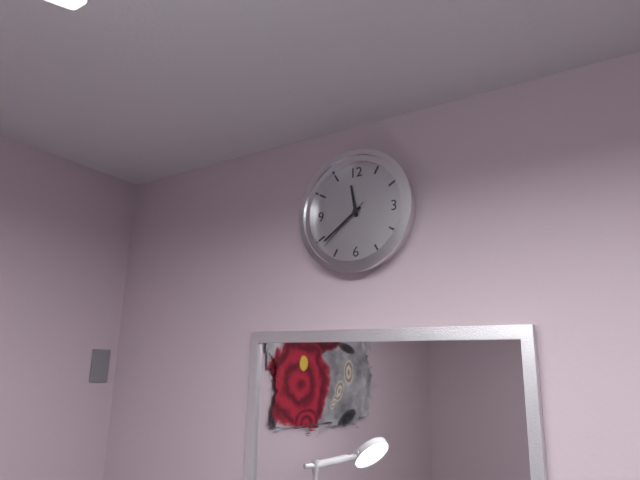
11:39:38
